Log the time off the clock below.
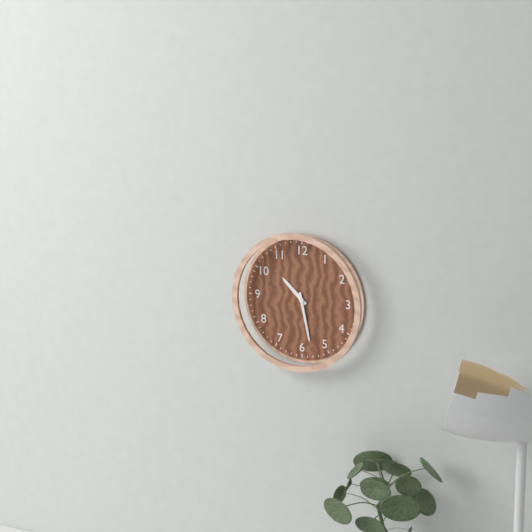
10:28
